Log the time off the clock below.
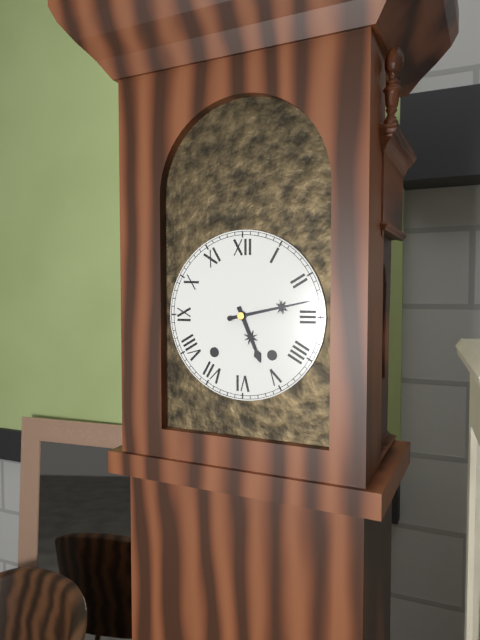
5:13
